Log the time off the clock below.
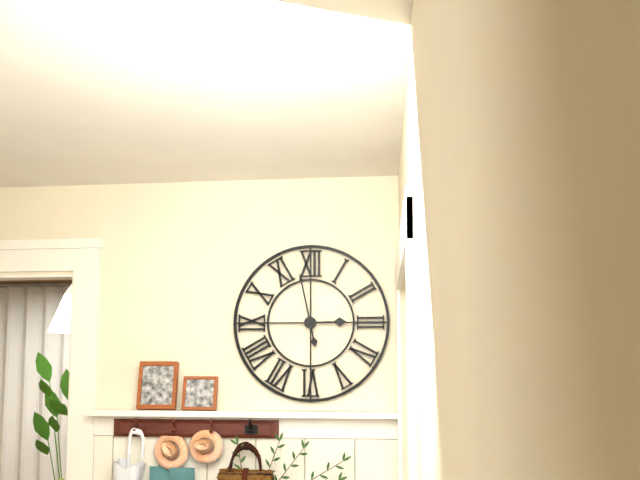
2:58
